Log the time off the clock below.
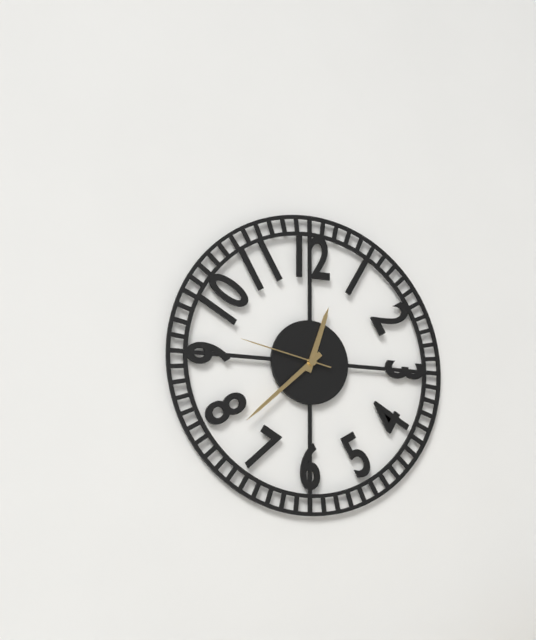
12:38:47
